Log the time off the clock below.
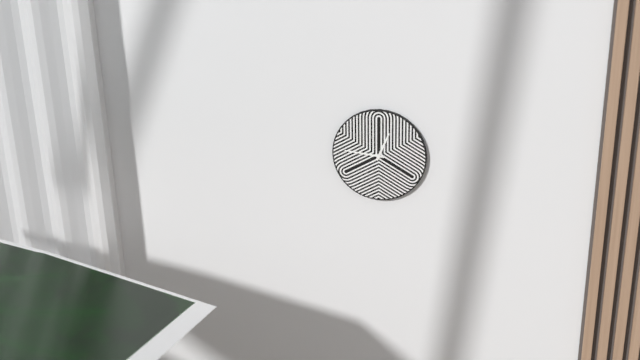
12:46
